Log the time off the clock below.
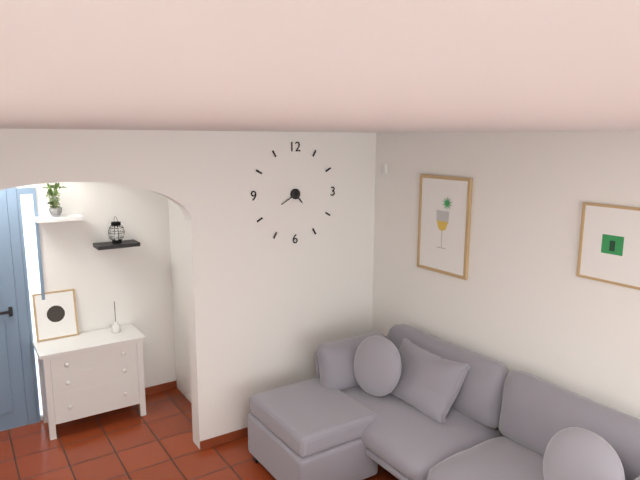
4:40
